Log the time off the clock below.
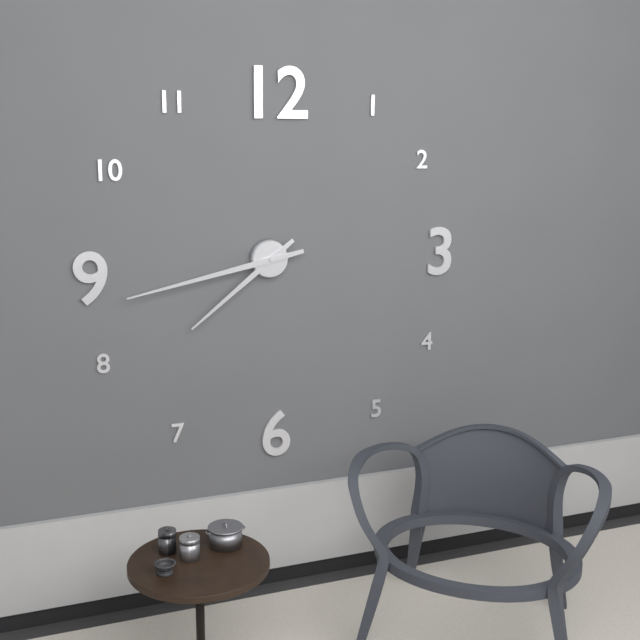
7:43
